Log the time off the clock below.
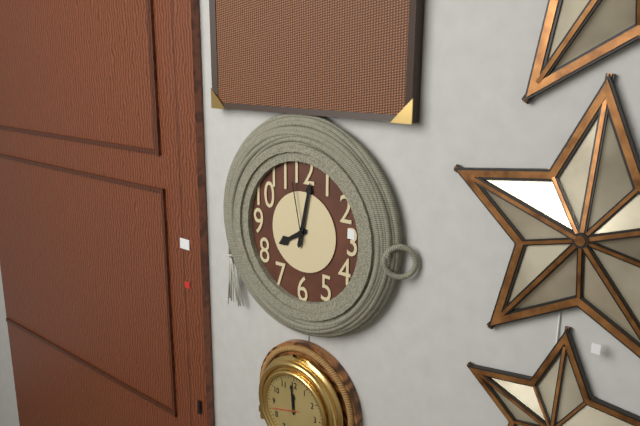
8:02:58
